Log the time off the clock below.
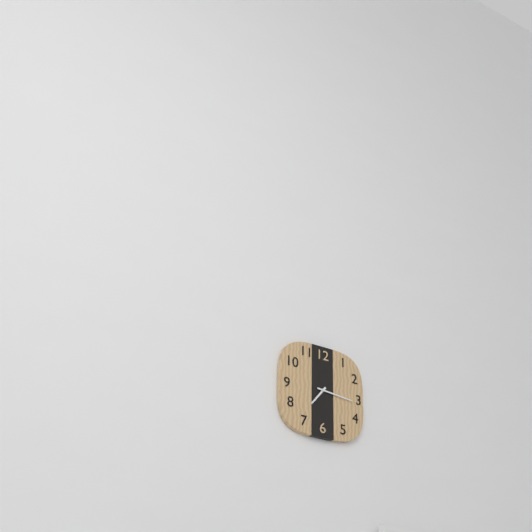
7:16
